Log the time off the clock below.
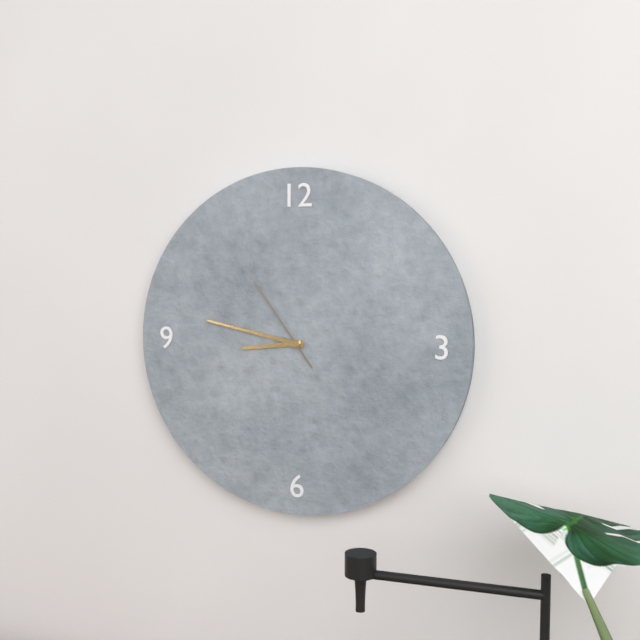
8:47:54
